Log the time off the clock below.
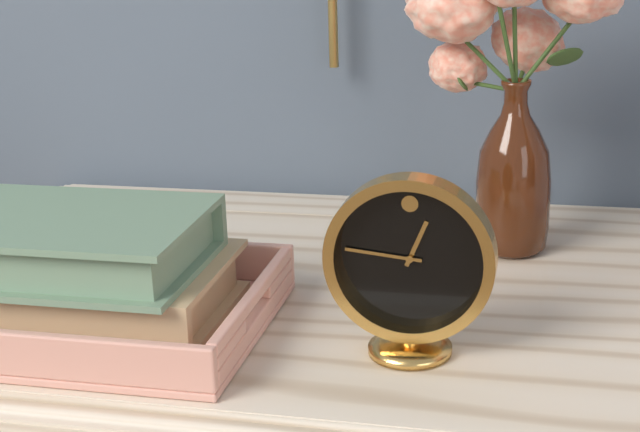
12:46
